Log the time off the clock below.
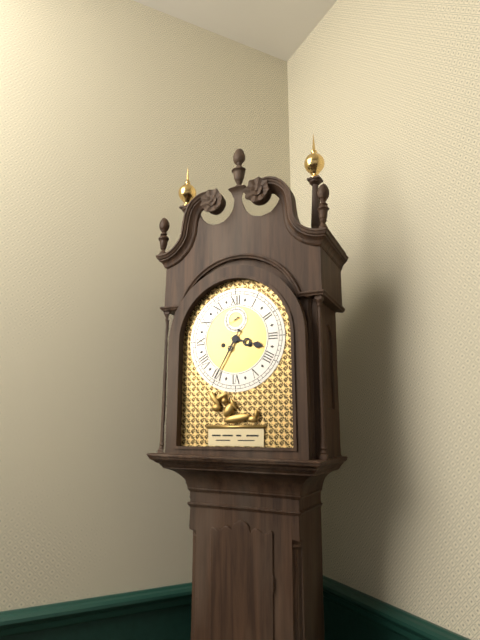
3:35
